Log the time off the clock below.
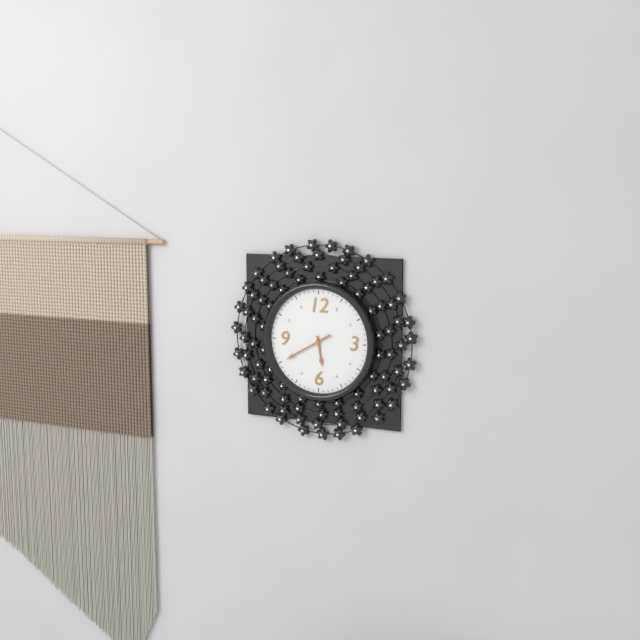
5:40
